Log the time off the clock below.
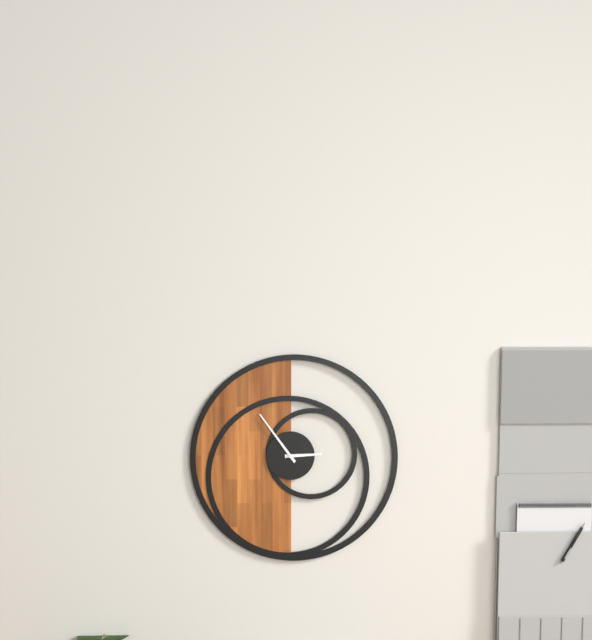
2:54
